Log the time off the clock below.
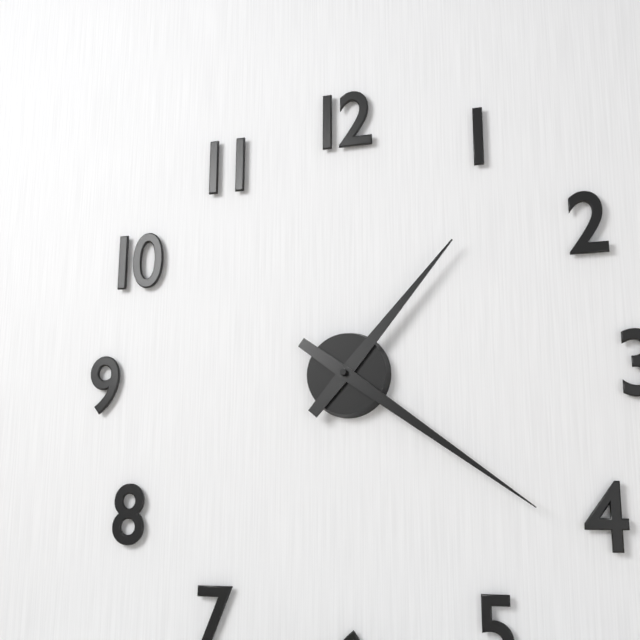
1:21
